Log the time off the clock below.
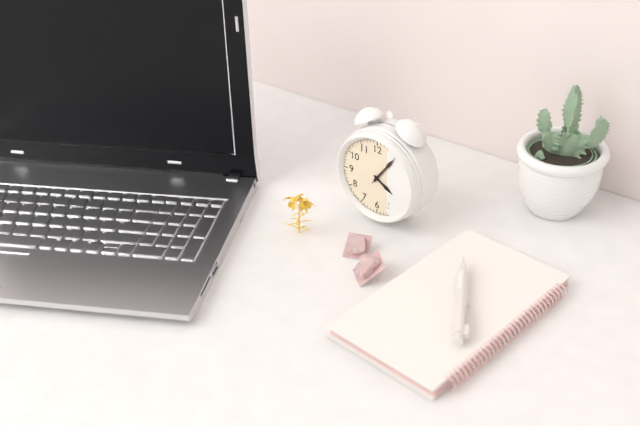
4:06
